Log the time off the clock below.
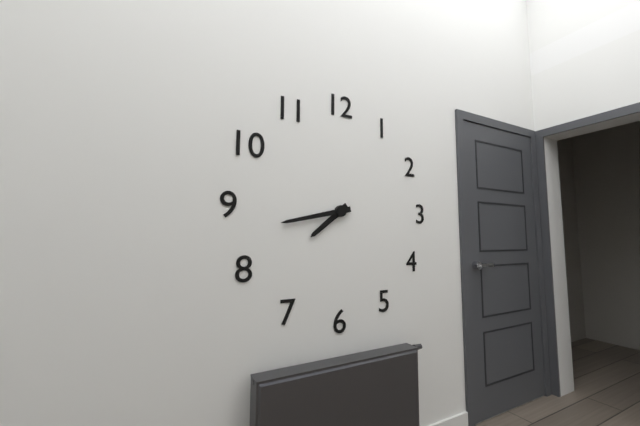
7:43
